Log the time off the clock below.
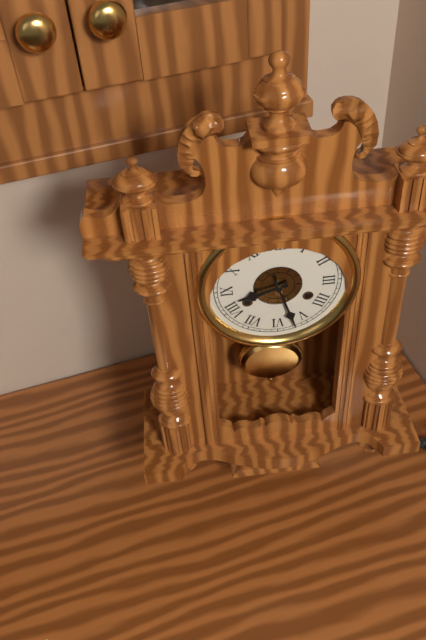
8:27
